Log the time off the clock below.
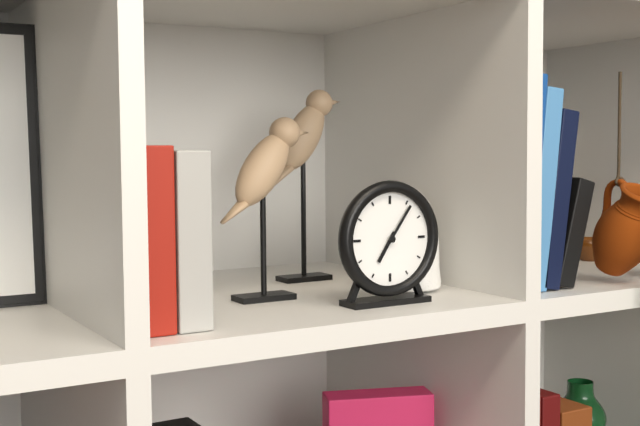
7:06
